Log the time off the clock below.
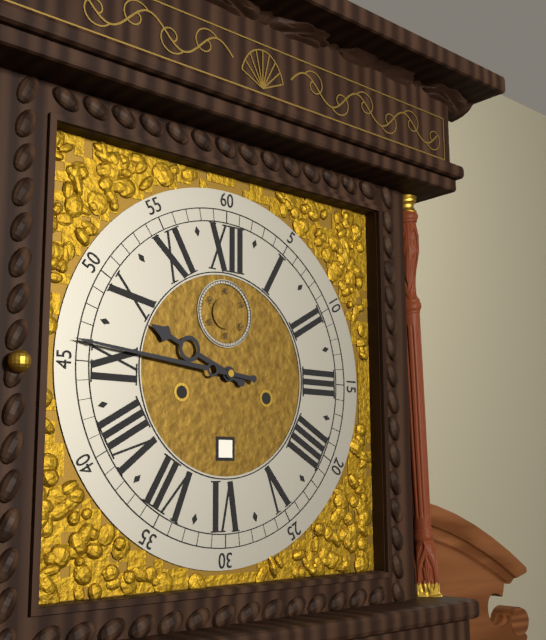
9:46
